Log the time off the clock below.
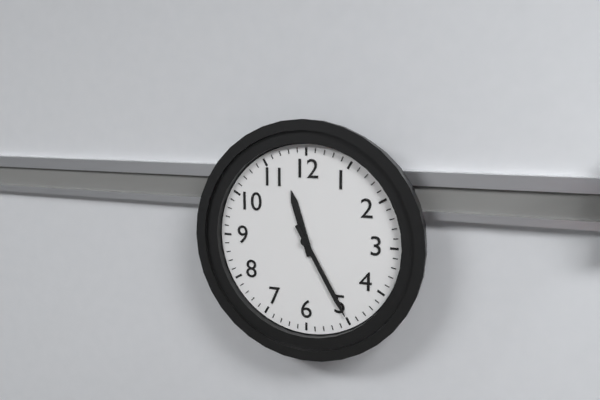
11:25
